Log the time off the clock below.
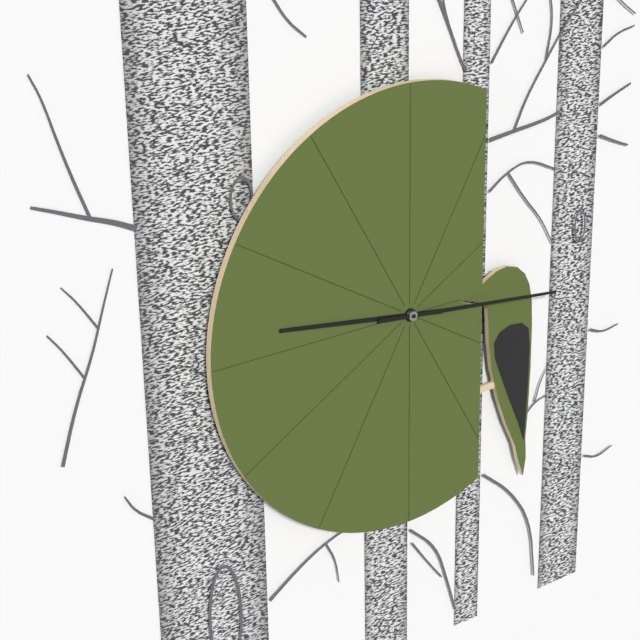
9:16
